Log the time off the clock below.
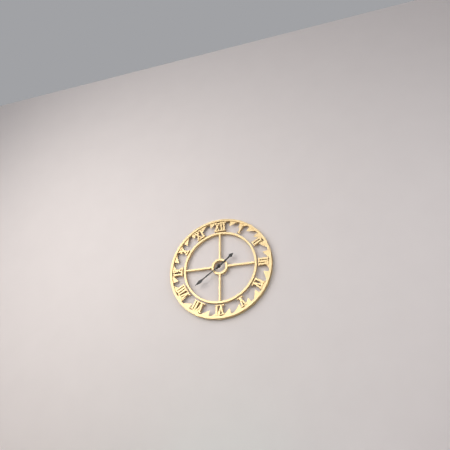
1:39
